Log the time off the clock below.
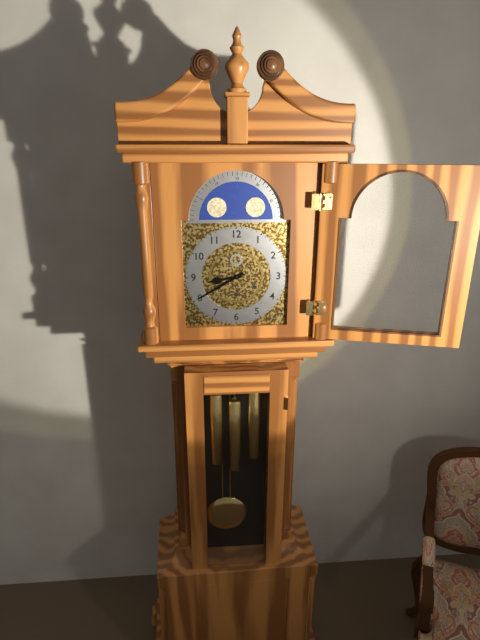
8:40
